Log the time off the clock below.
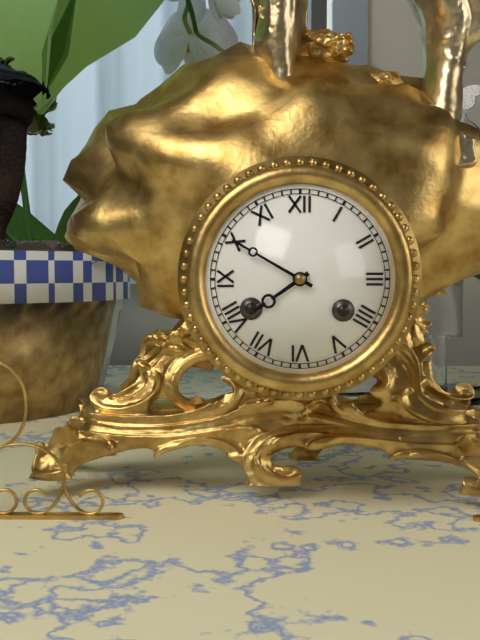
7:50
